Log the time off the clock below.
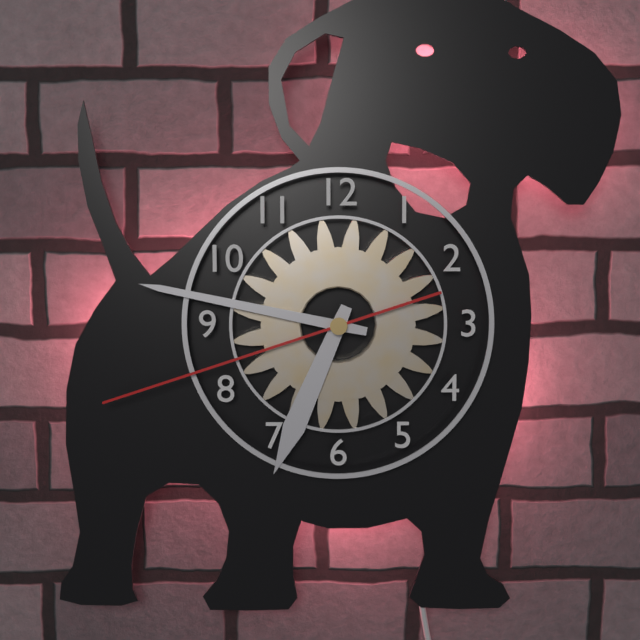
6:47:42
